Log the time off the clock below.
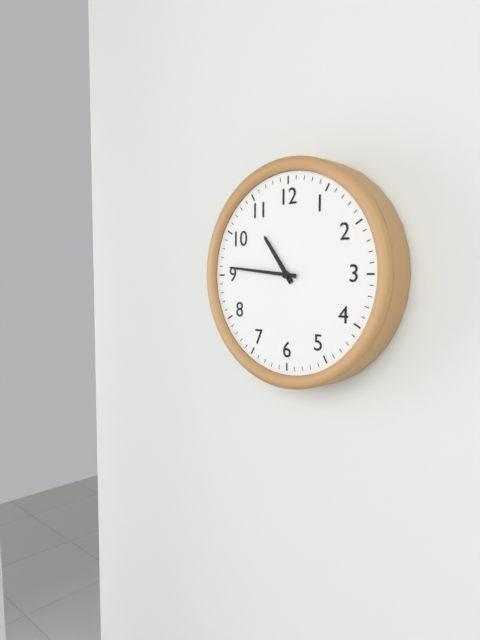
10:46
